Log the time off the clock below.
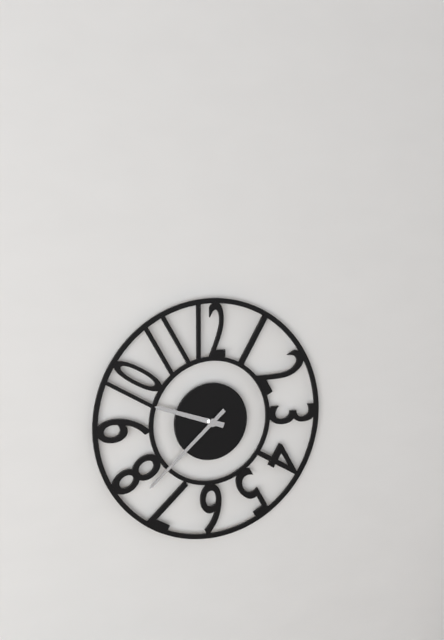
9:38
